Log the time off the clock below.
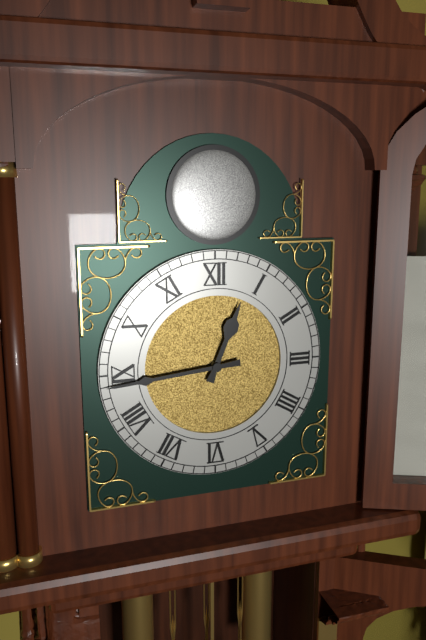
12:44
